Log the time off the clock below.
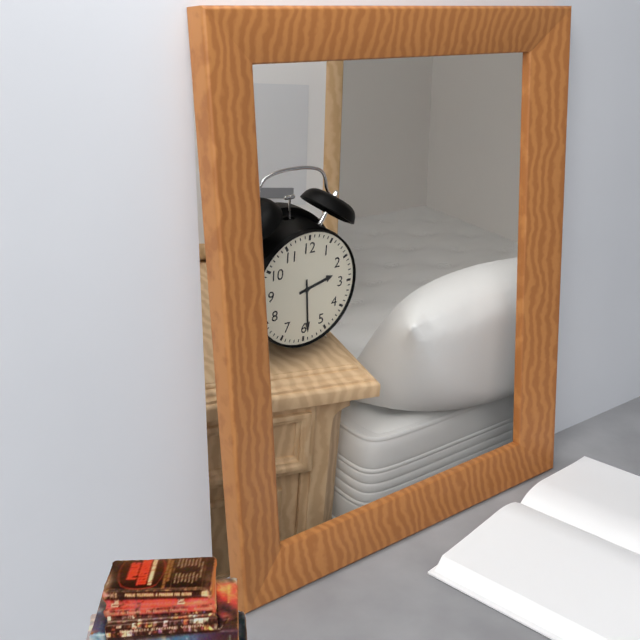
2:29
